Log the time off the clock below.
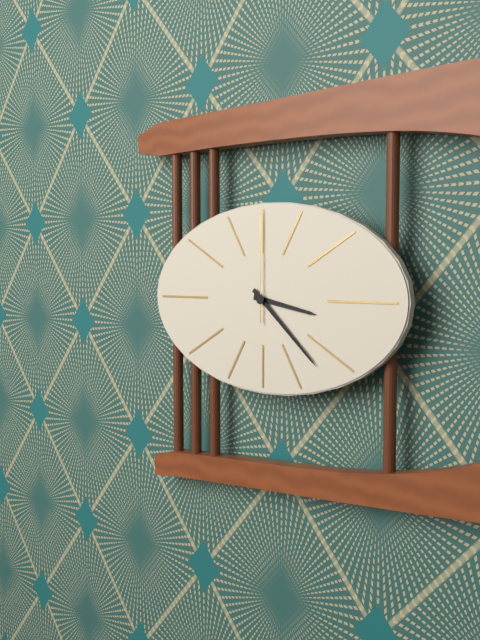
3:22:00
